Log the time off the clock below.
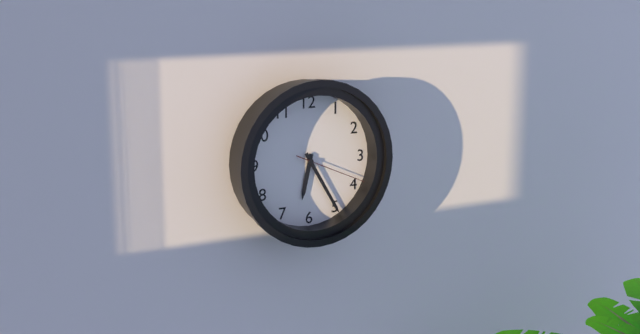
6:25:19
